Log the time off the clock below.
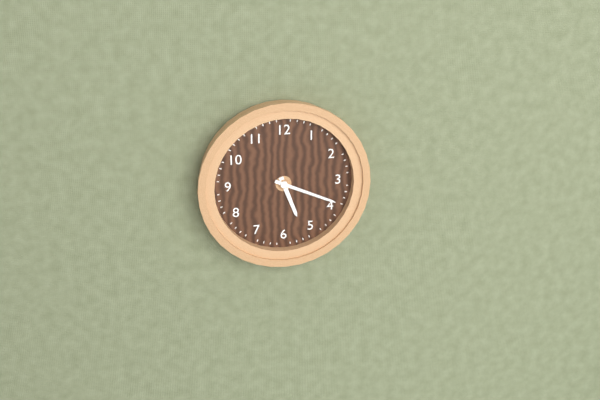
5:19
